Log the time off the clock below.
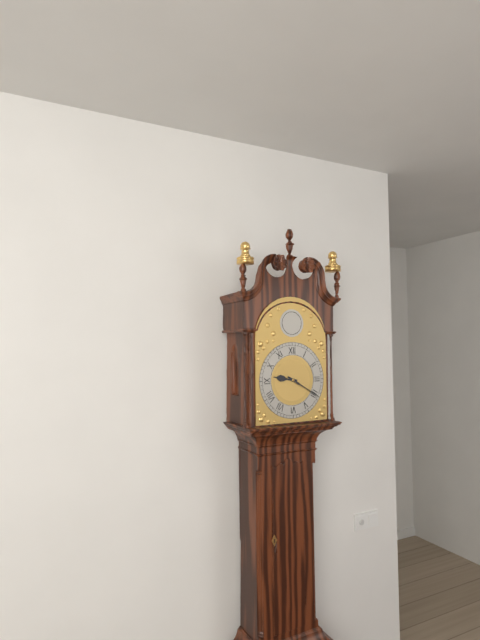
9:20
